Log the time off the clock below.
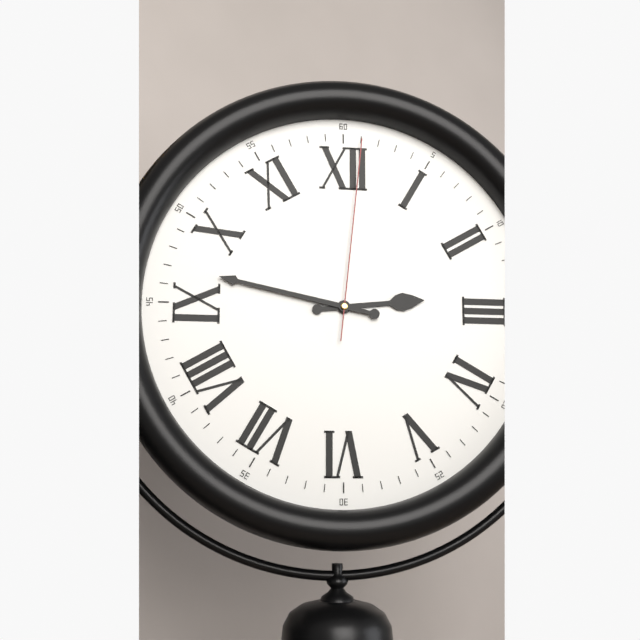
2:47:01
